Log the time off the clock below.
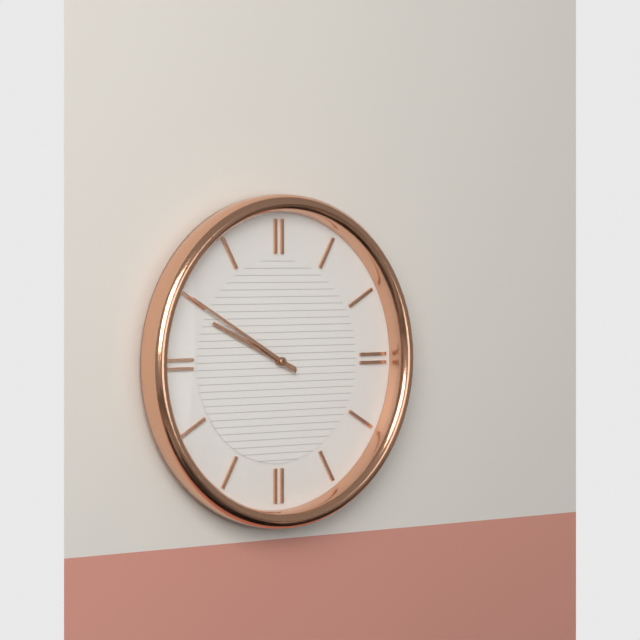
9:50
